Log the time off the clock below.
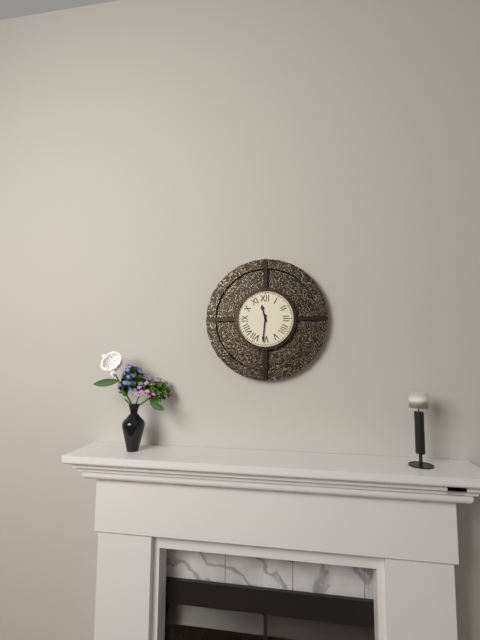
11:31
